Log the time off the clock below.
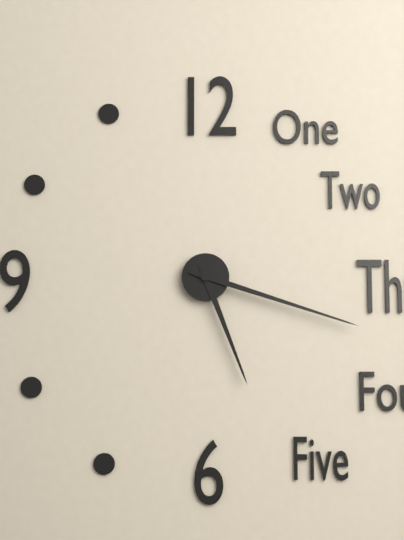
5:18
